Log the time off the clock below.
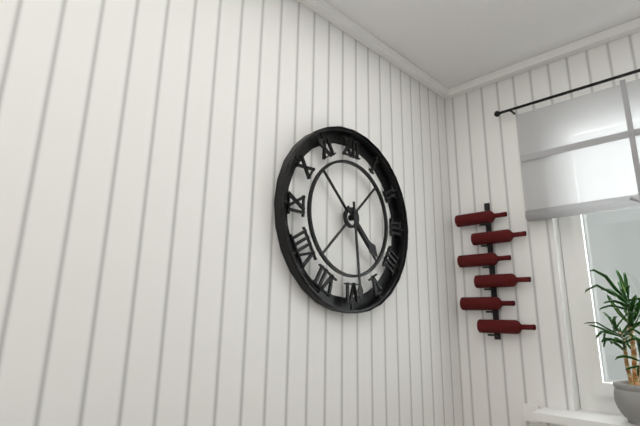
4:29
